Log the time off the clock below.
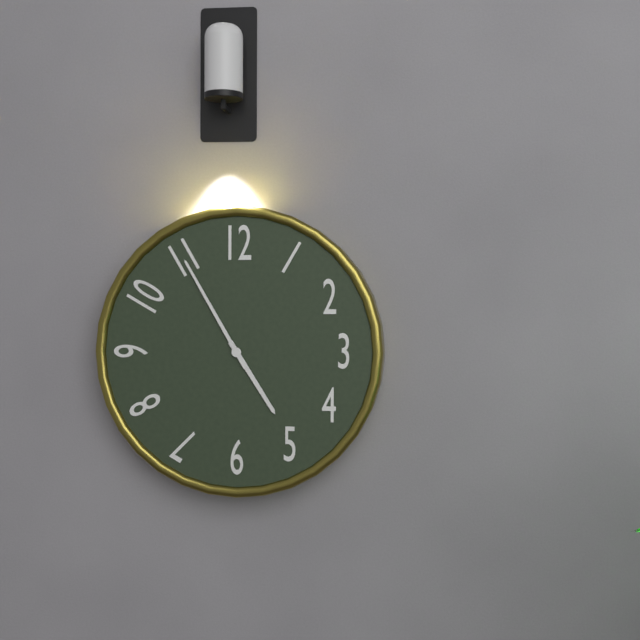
4:55
